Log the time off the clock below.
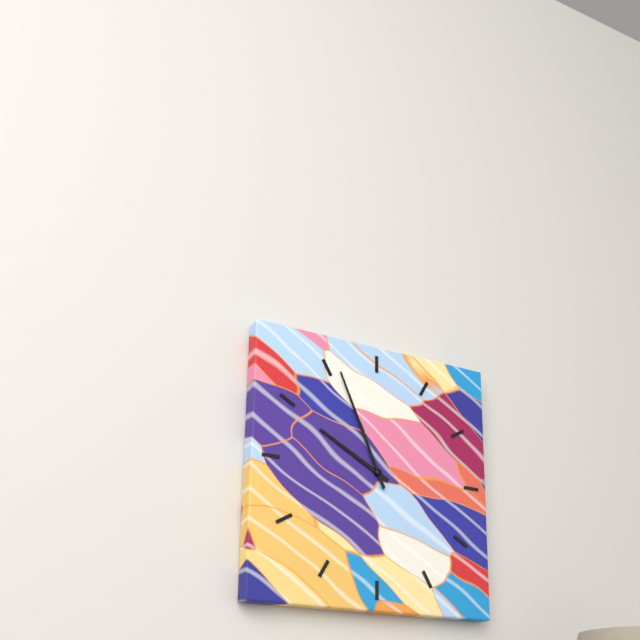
9:56
